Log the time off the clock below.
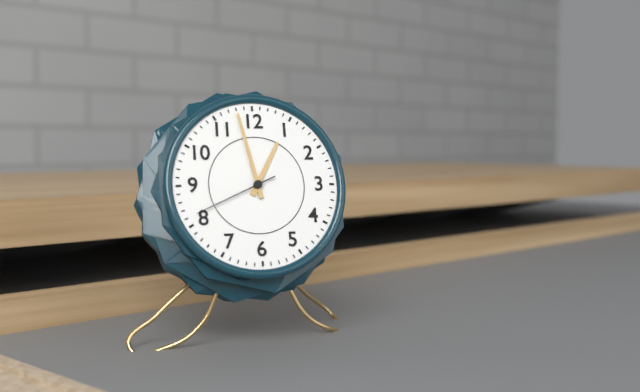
12:58:41
